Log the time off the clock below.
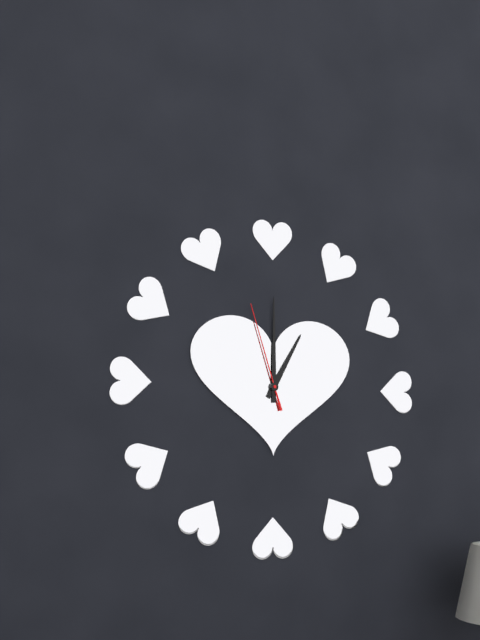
1:00:57
